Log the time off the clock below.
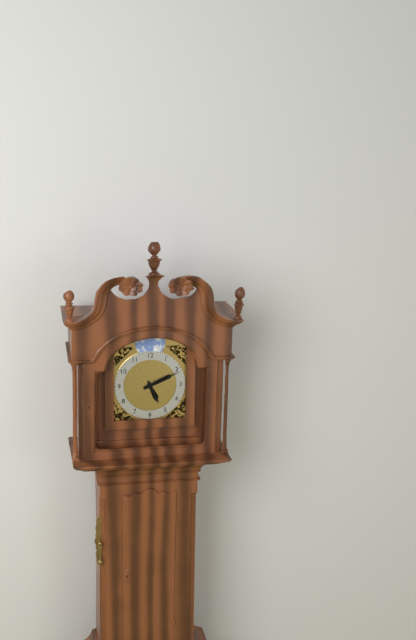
5:11
